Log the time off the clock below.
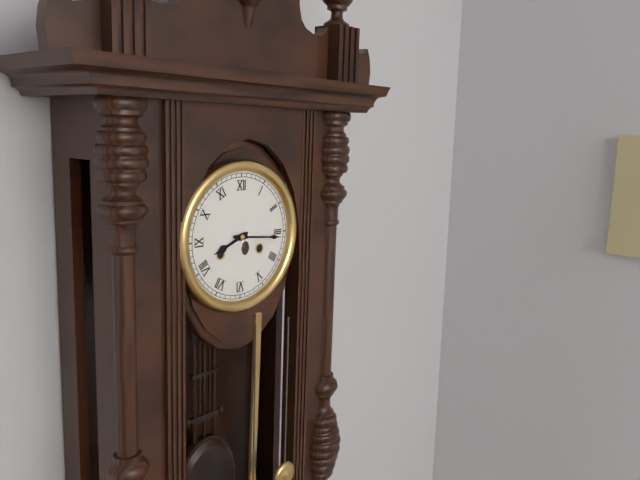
8:16
